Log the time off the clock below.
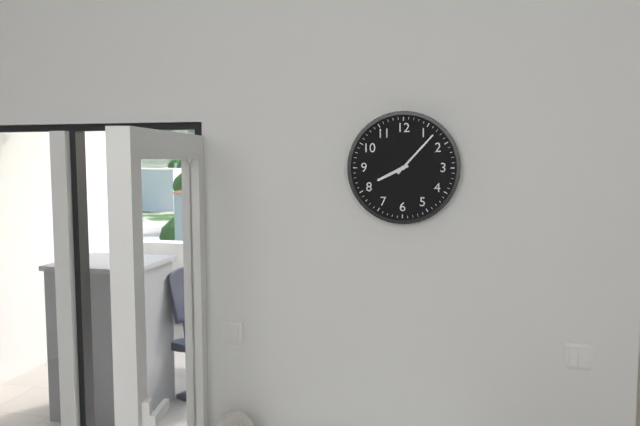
8:07
